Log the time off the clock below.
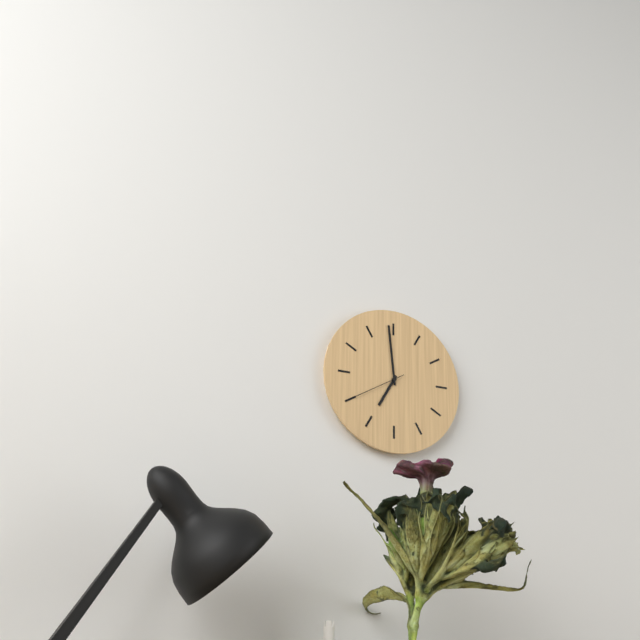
6:59:40
